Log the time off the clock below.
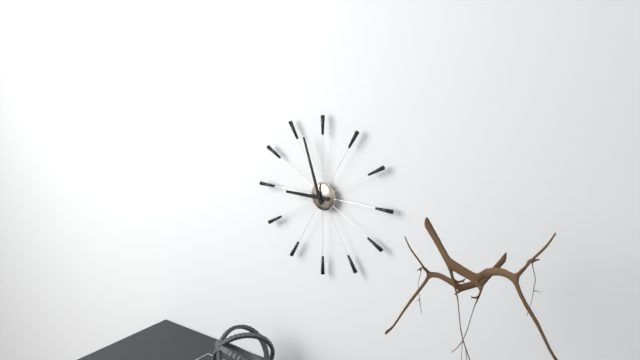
8:57
